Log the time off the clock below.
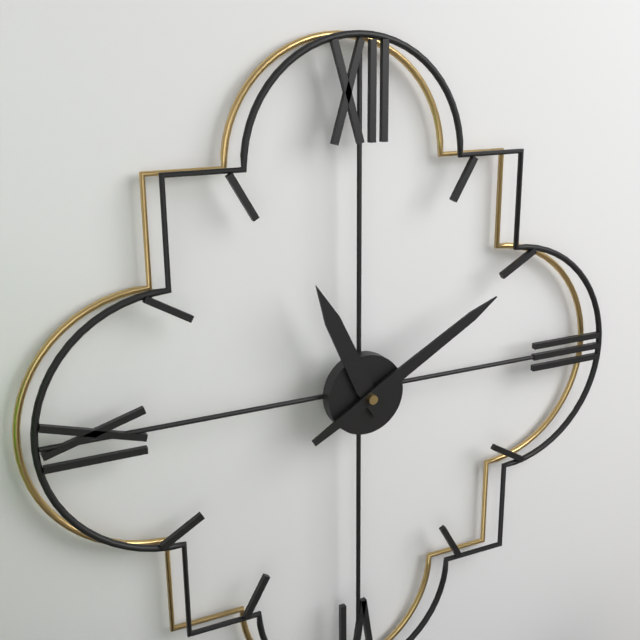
11:10
